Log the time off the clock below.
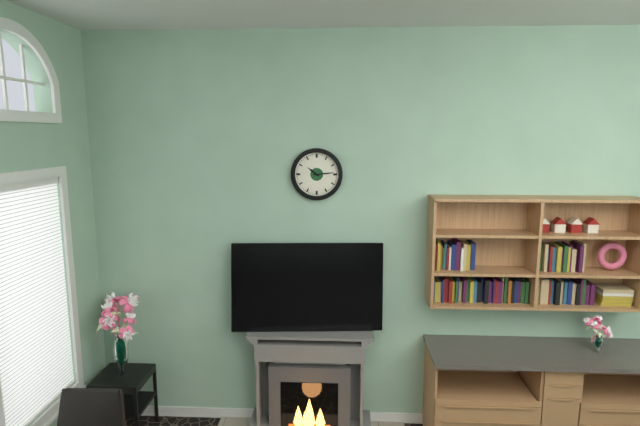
10:14
